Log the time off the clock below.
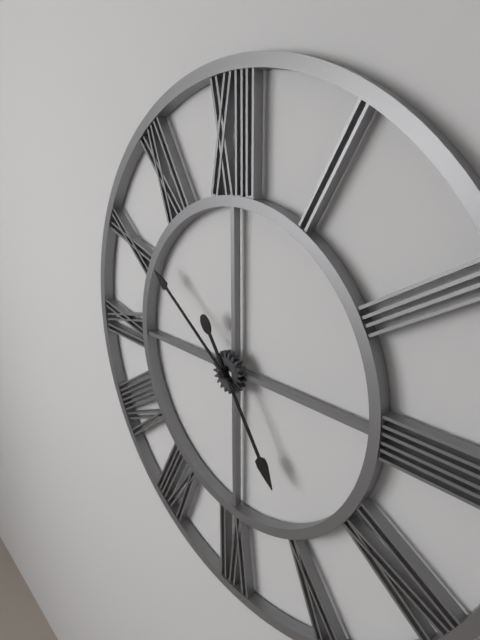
4:51
